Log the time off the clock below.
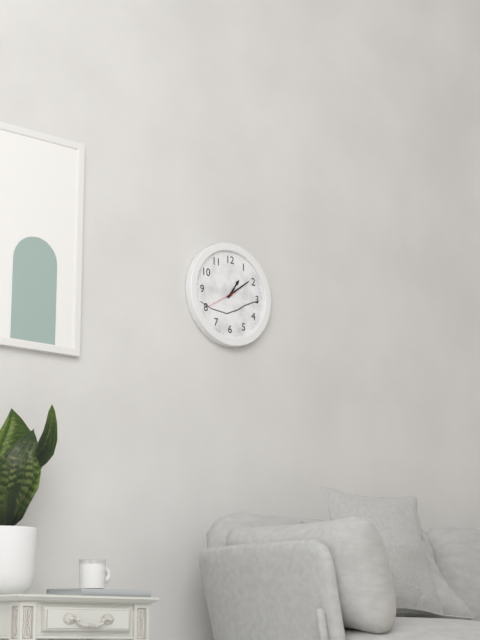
1:09
